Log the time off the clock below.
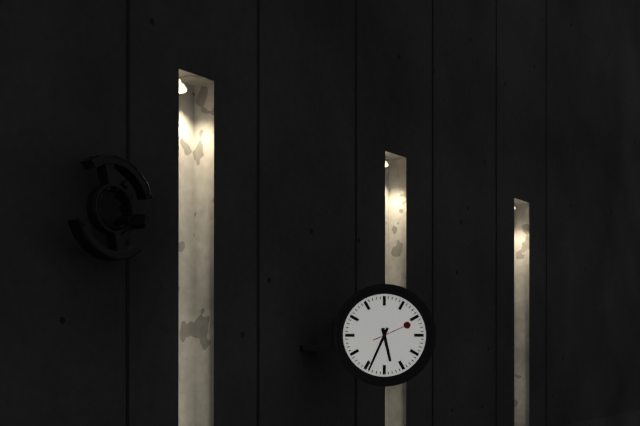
5:34
